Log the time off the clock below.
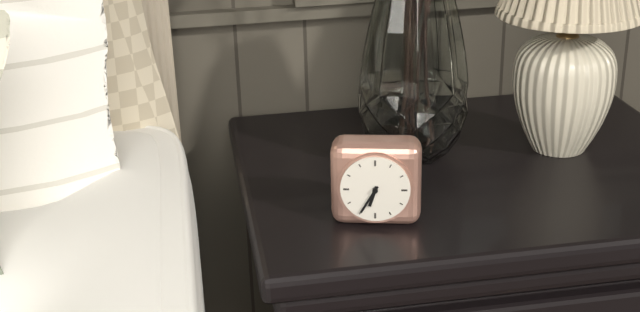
6:35
